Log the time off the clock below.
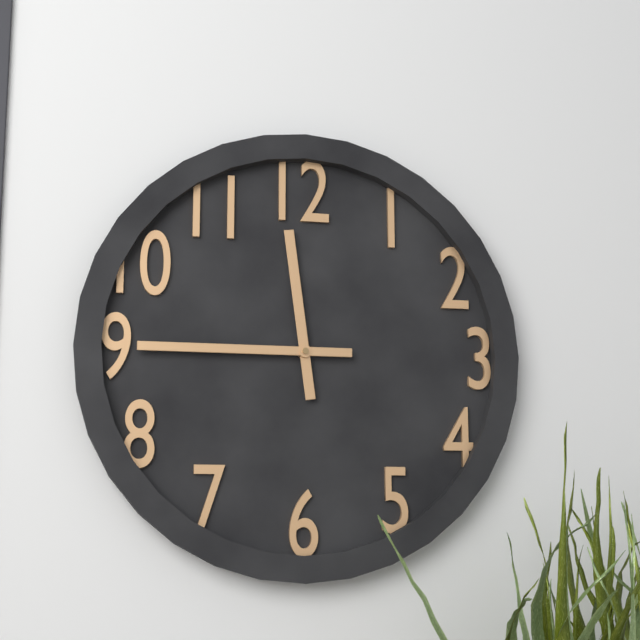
11:45
